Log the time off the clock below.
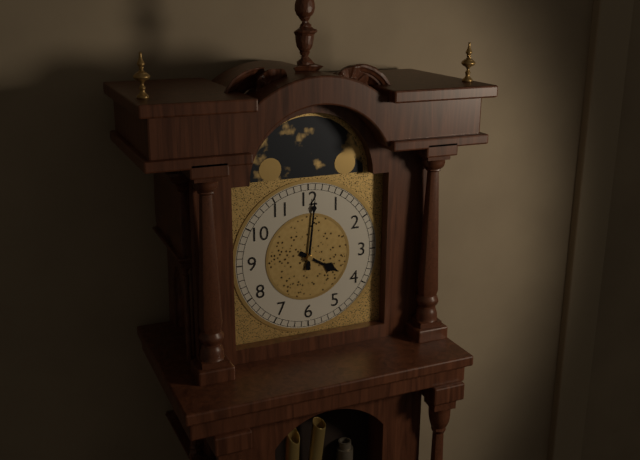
4:01
